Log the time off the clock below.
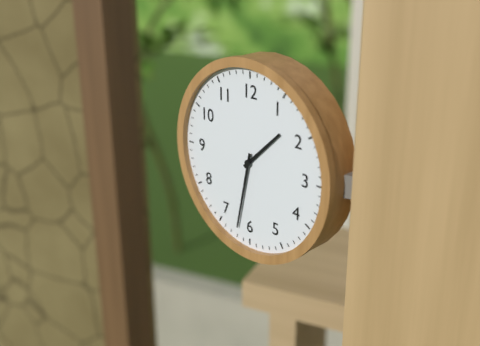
1:32
